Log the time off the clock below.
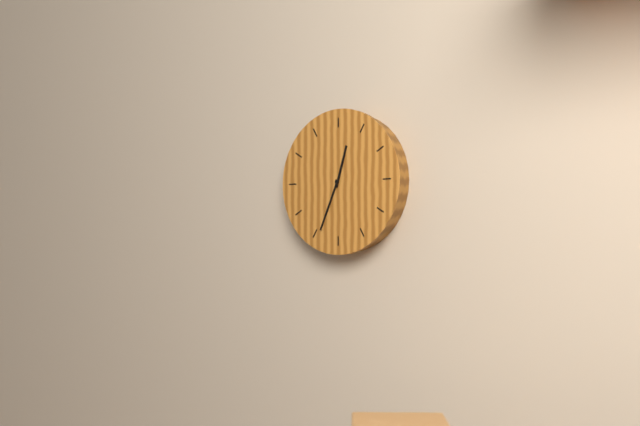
12:34
